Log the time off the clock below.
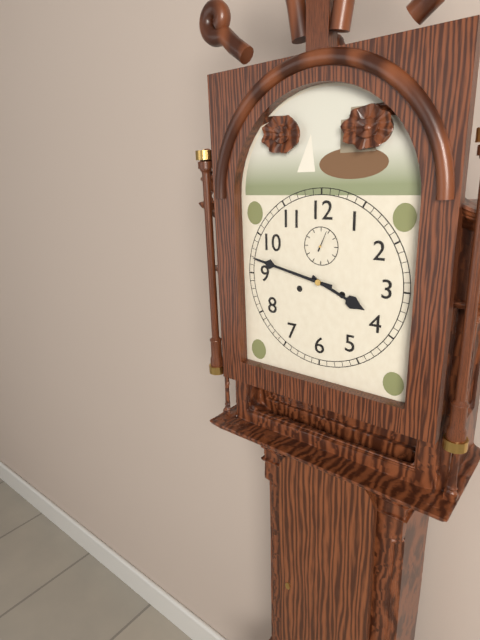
3:47
